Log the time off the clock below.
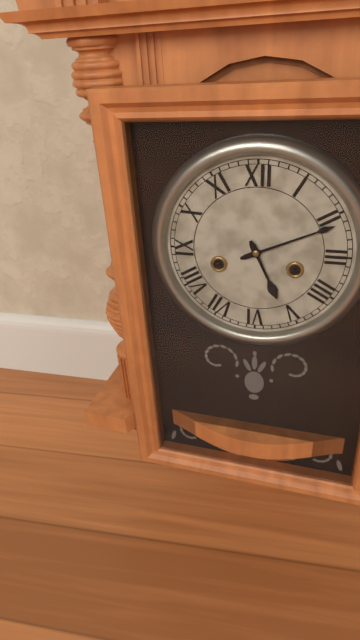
5:11
